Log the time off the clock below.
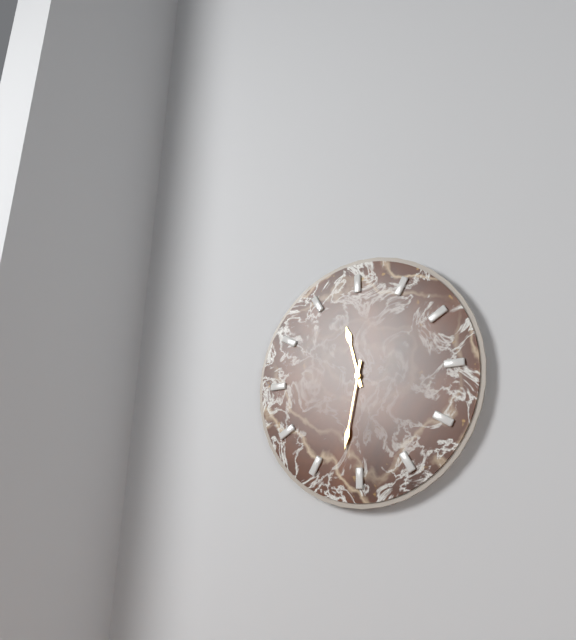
11:32
